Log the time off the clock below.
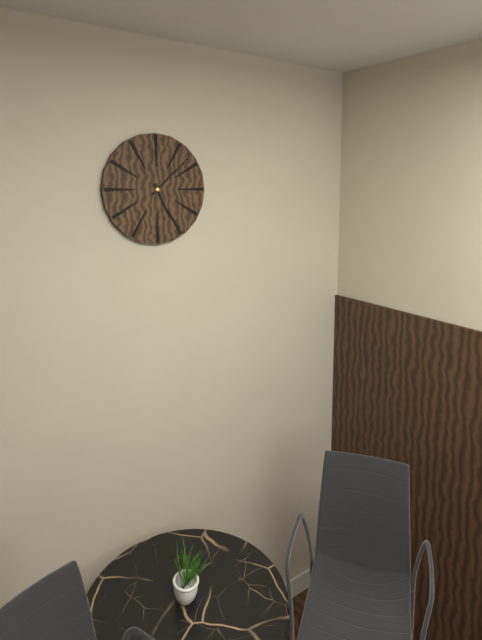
5:08
